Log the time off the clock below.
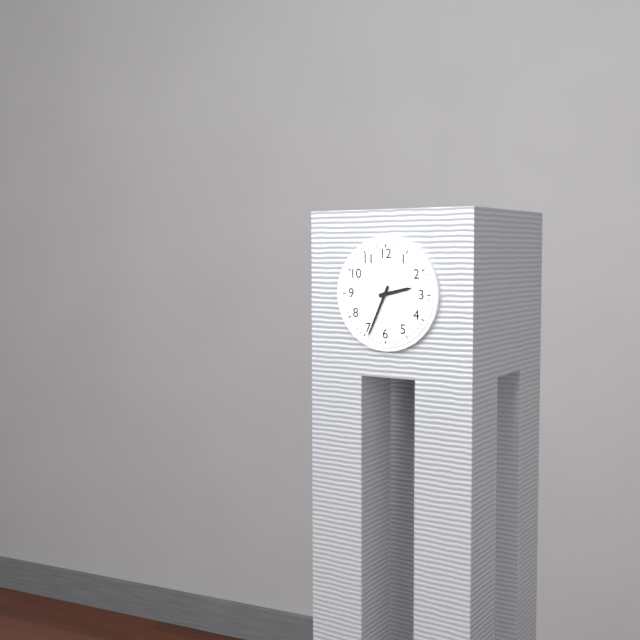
2:34
